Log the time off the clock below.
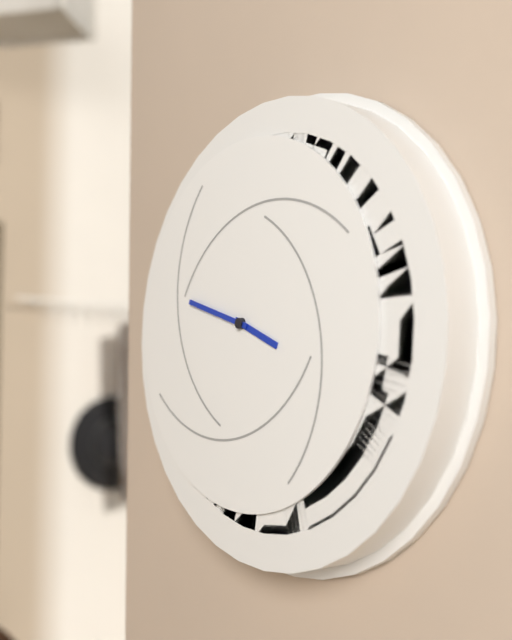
3:48
